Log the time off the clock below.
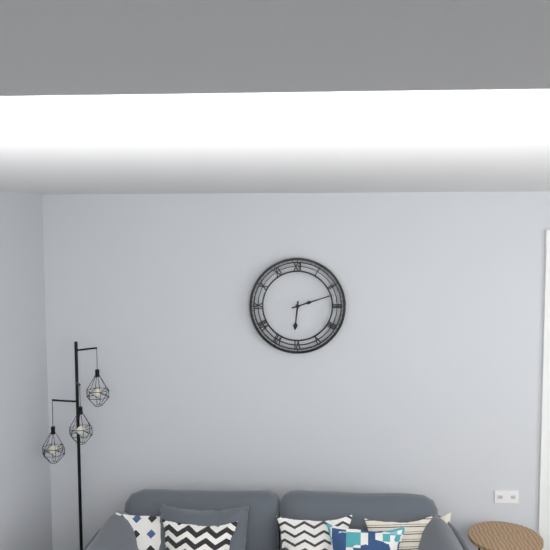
6:12
